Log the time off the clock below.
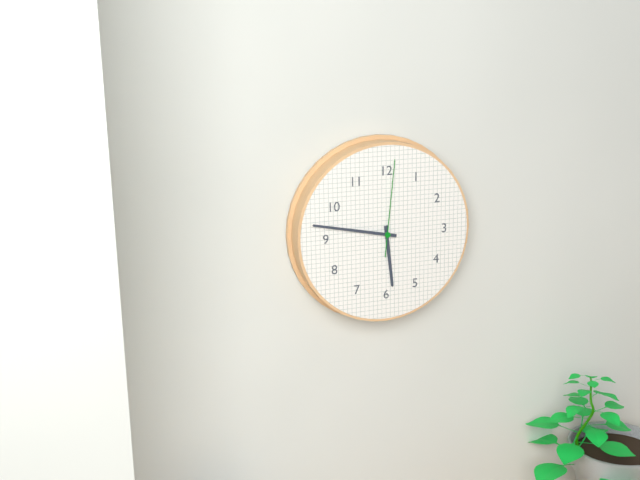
5:47:01
